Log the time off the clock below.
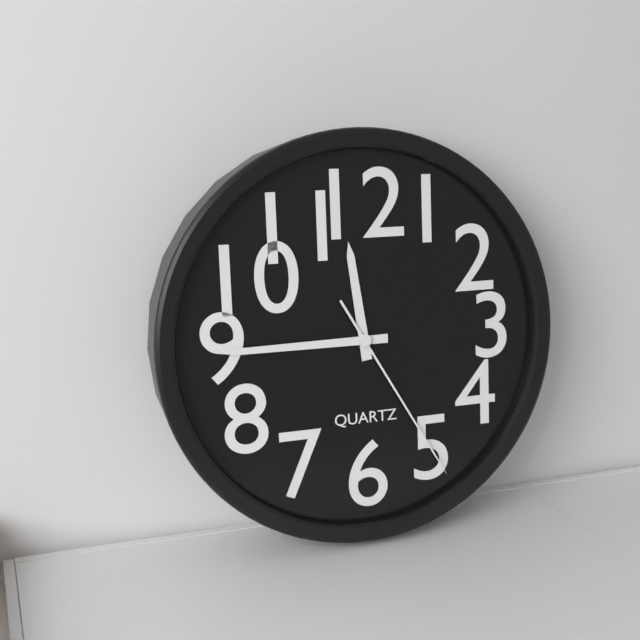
11:45:25
